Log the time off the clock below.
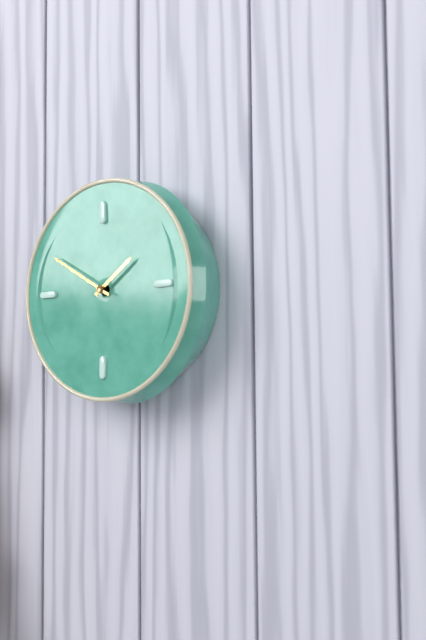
1:50
